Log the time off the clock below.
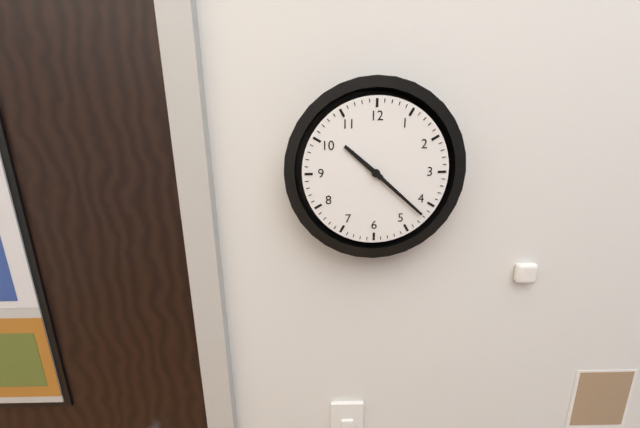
10:22
